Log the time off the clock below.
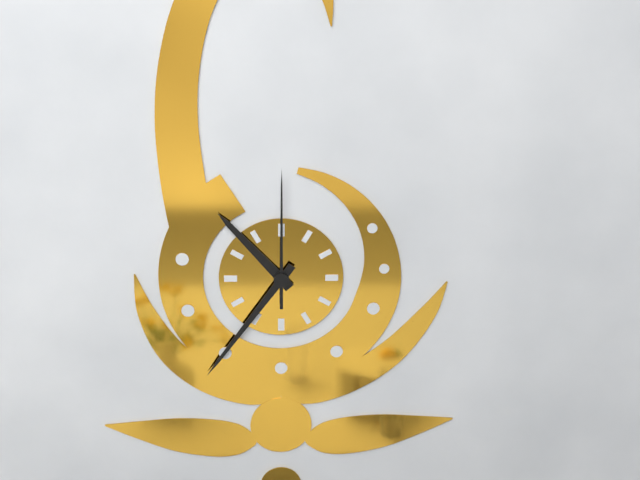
10:36:00
